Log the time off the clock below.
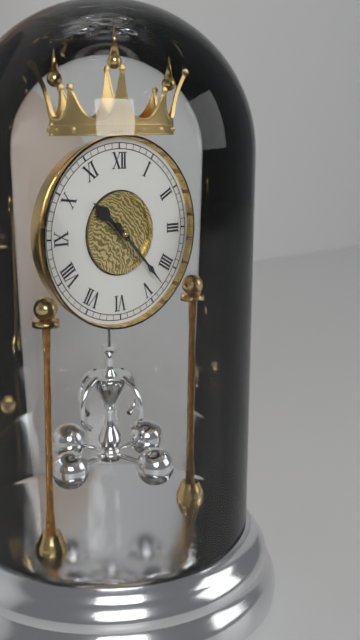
10:23
